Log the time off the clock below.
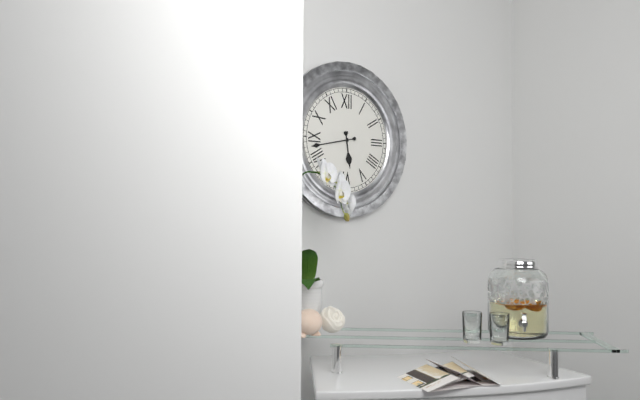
5:43
